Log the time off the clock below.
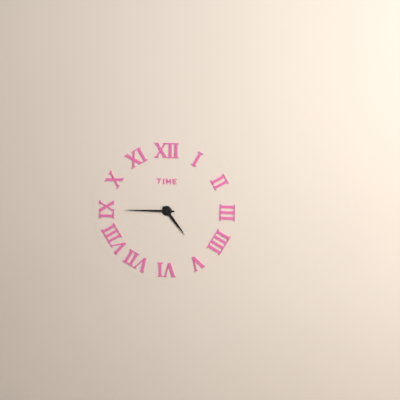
4:45
